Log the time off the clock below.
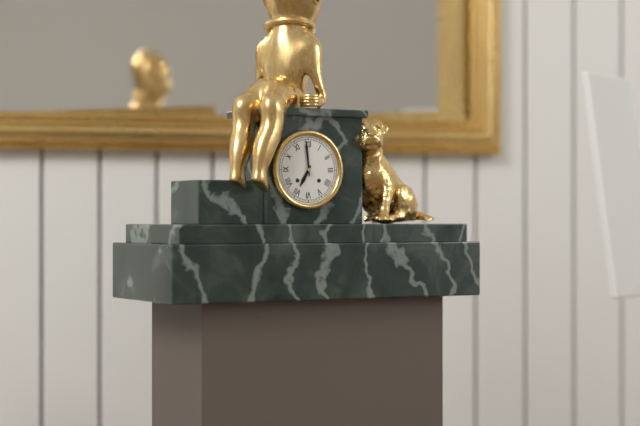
6:59
